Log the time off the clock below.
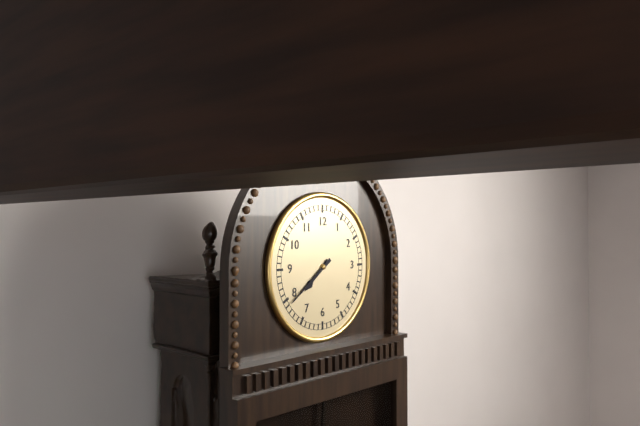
7:39
